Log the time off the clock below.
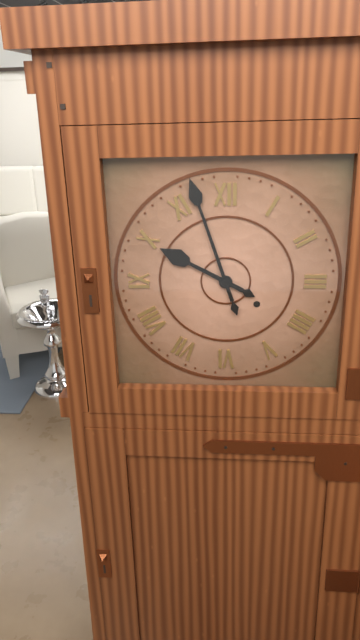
9:57
